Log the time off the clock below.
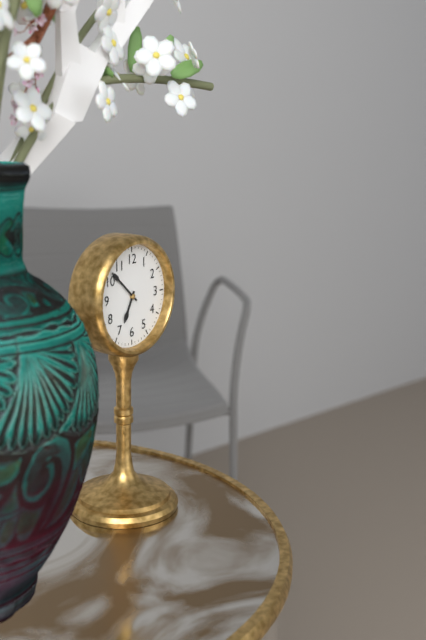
6:52
